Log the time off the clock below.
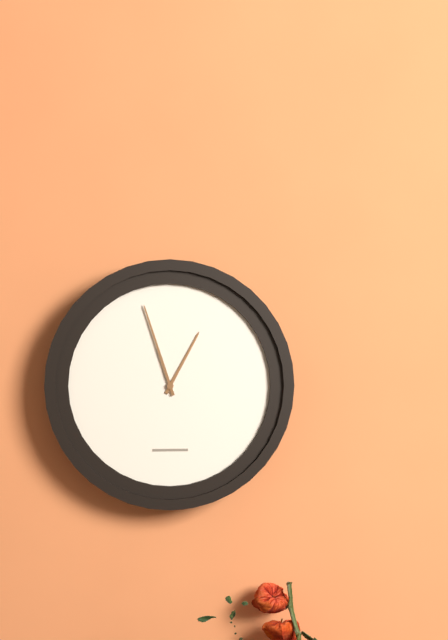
12:57
